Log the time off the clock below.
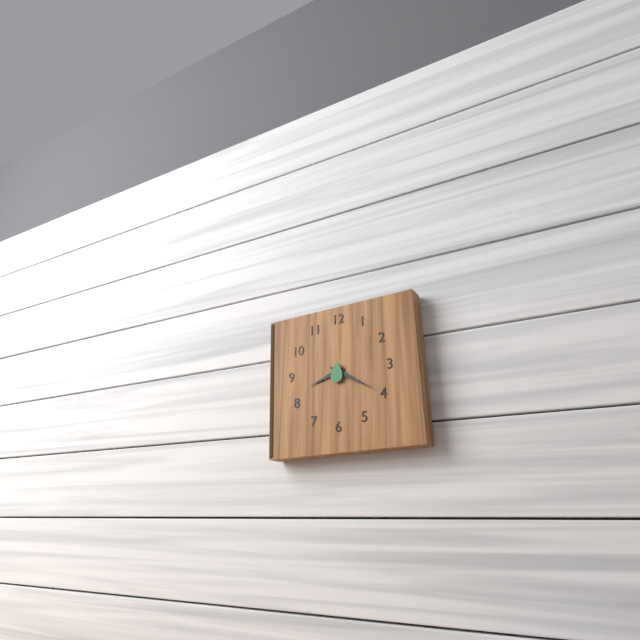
8:20
